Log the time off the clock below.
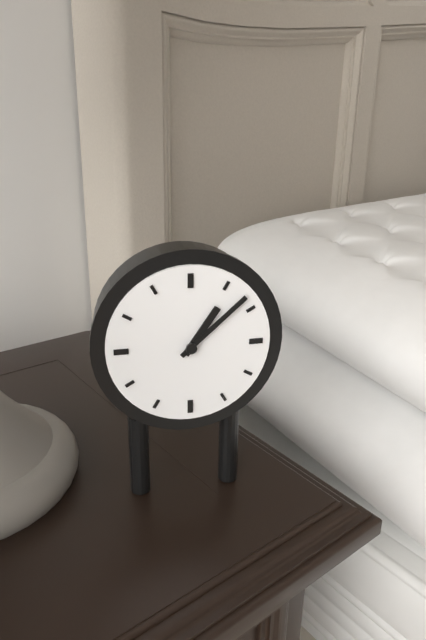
1:08
